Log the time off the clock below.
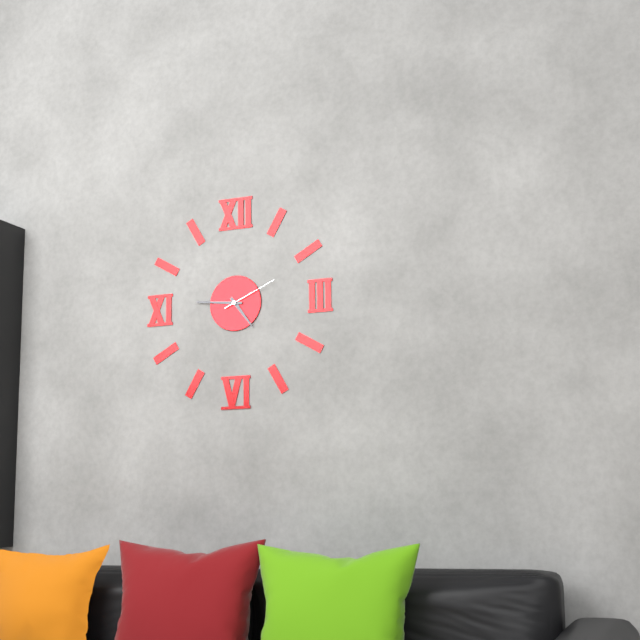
4:46:11
